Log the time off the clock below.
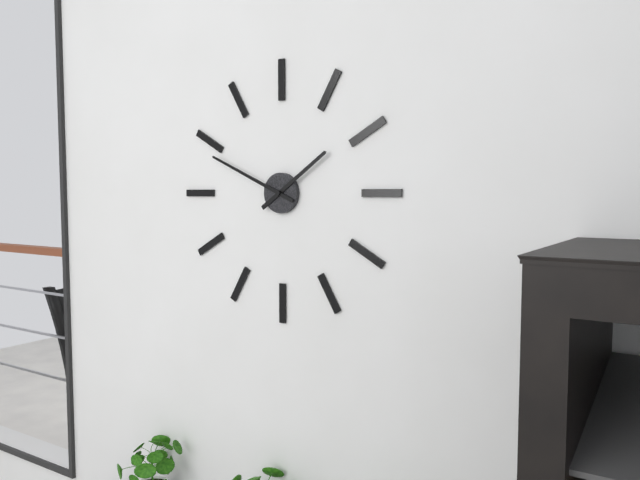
1:49
